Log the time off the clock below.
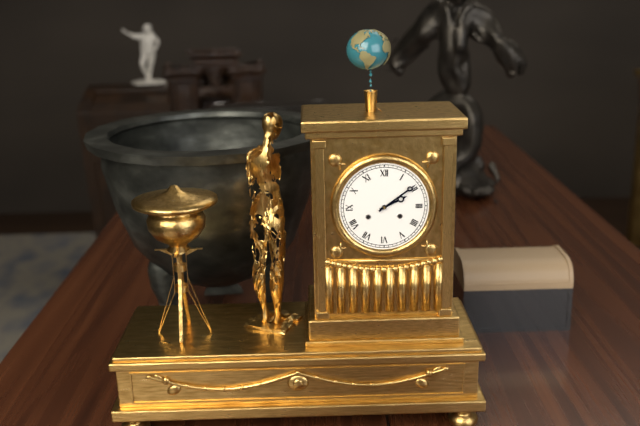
2:09
